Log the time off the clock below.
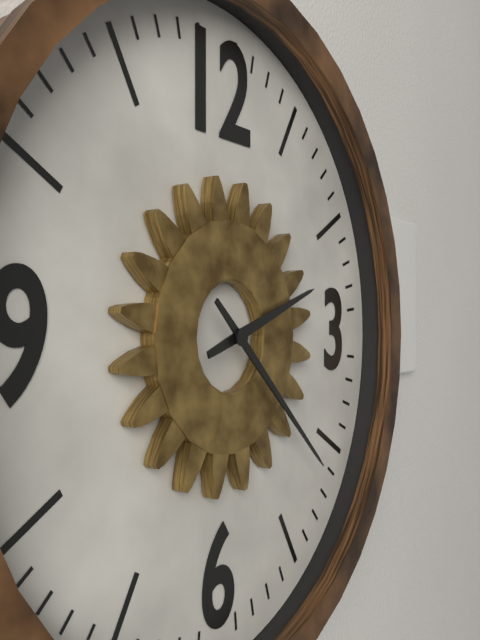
2:22
